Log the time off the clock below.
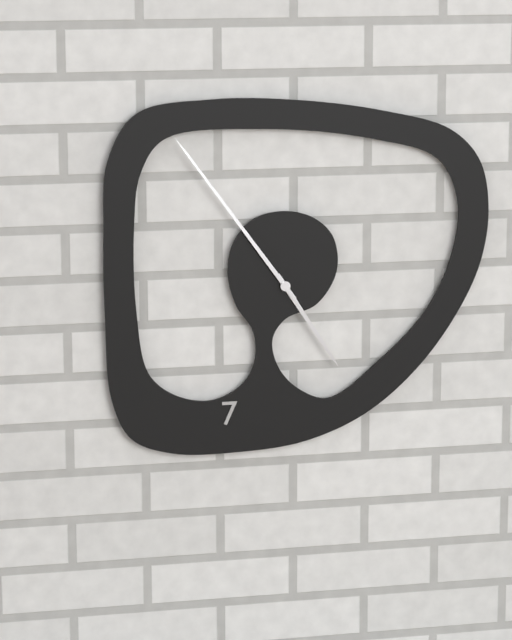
4:54
